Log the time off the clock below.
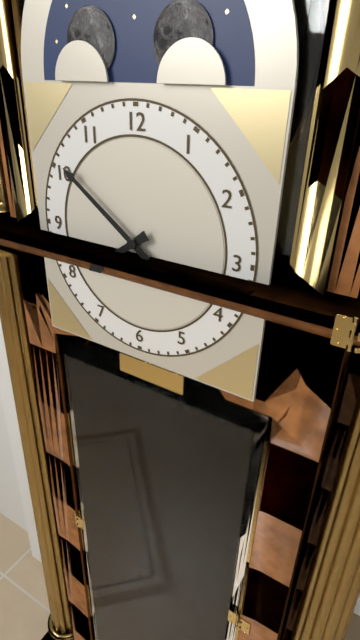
7:51
